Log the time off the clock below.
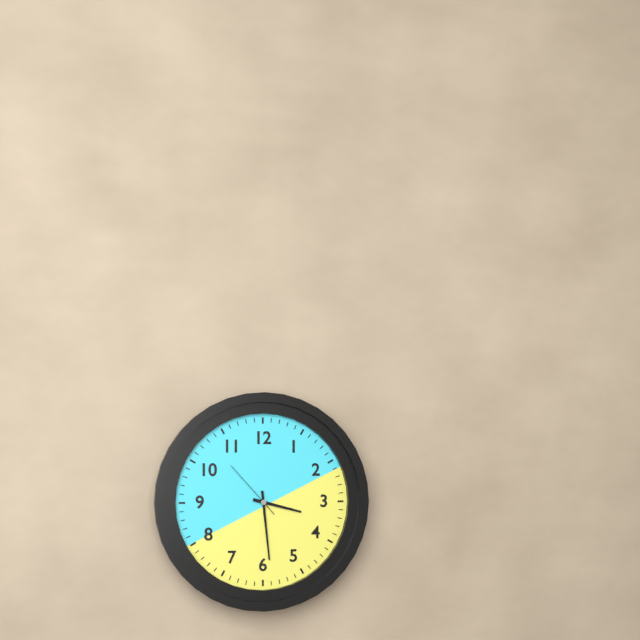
3:29:53
